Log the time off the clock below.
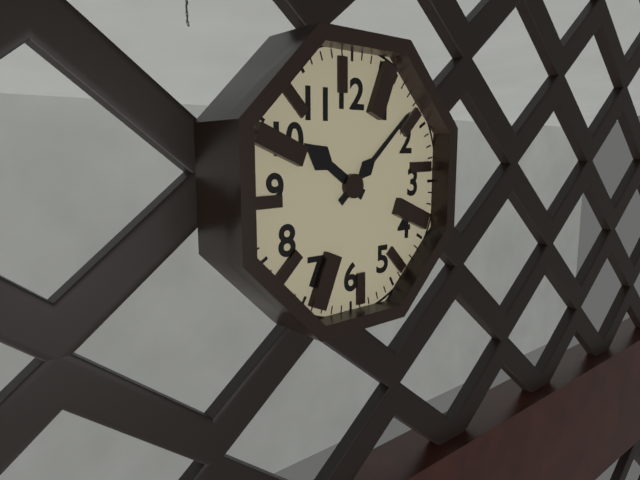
10:08
